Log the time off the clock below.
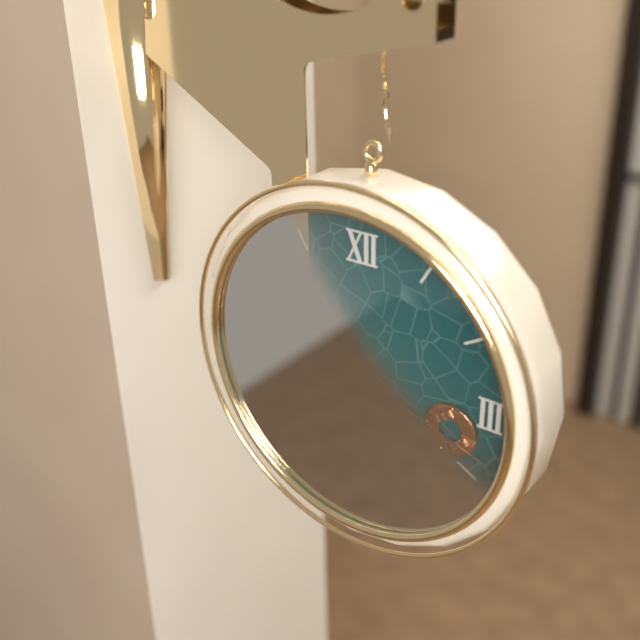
8:45:18
